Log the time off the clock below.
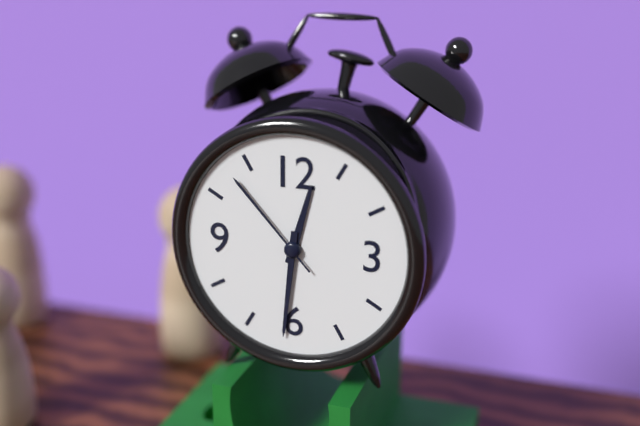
12:31:53
